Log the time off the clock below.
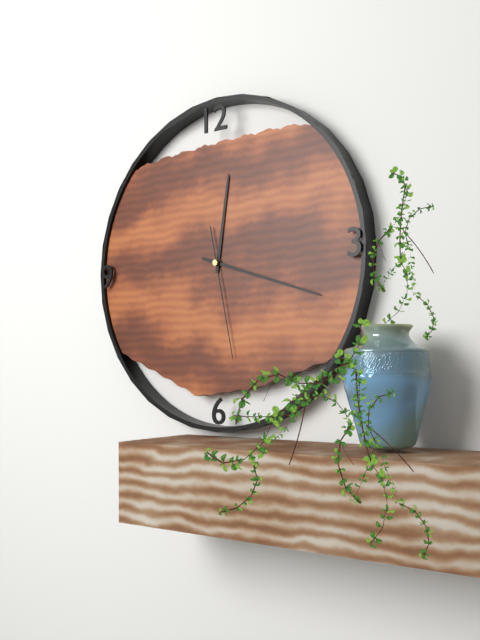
12:18:28
